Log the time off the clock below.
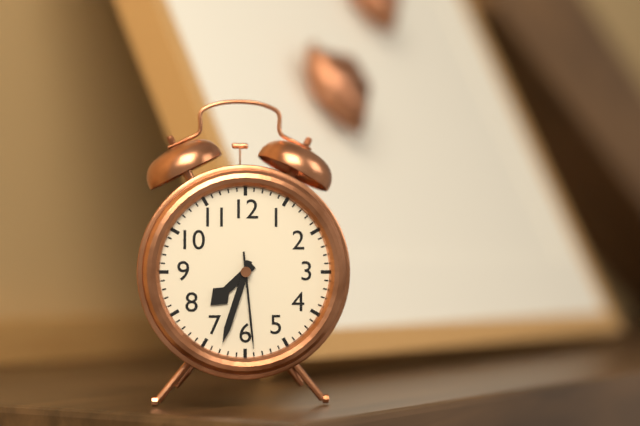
7:33:29
